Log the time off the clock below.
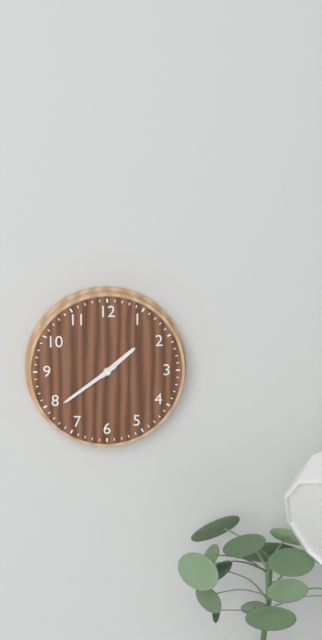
1:39
